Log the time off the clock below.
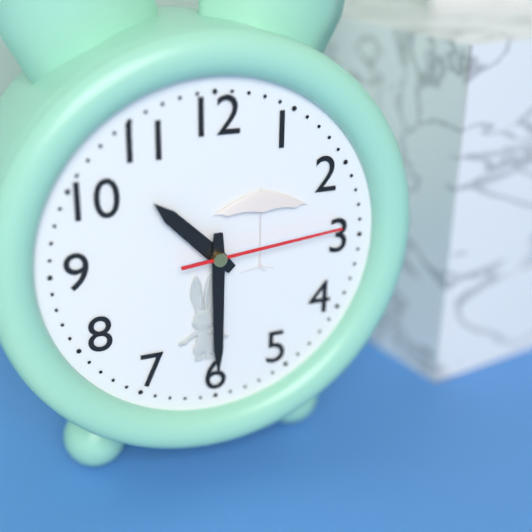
10:30:14
